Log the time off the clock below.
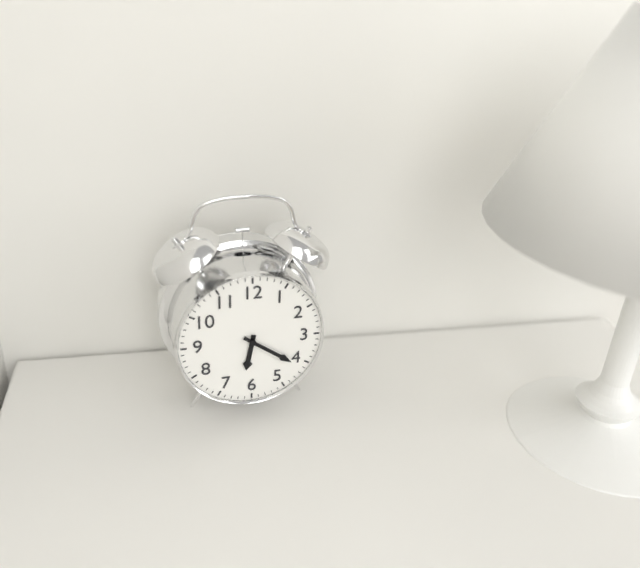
6:21
